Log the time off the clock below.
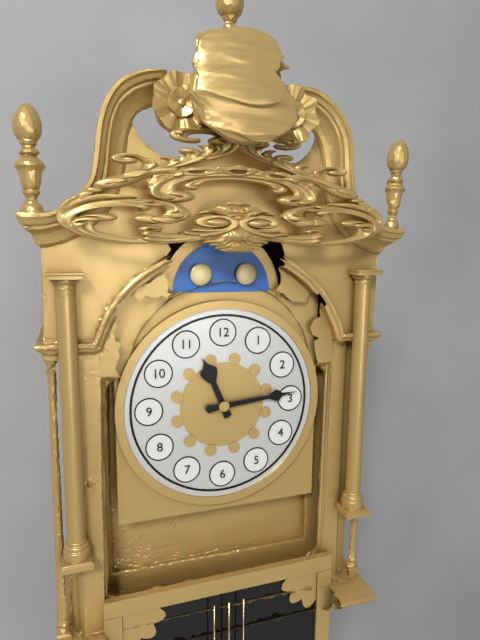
11:14
